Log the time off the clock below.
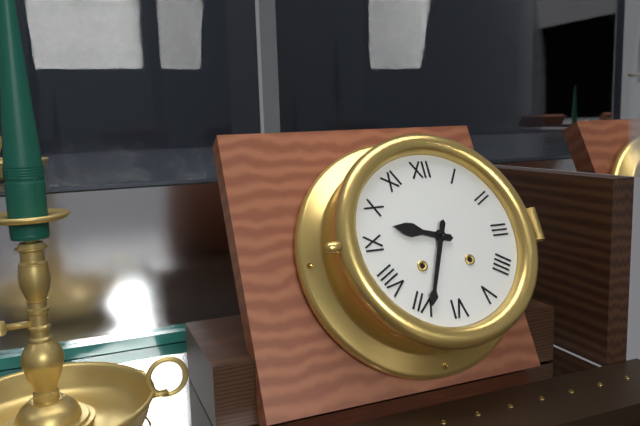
9:34
